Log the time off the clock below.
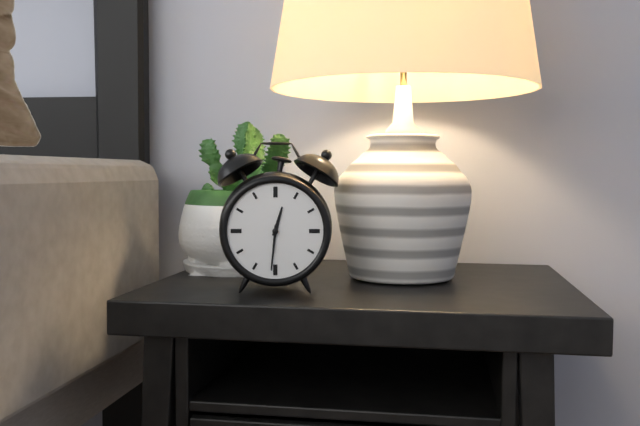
12:31
